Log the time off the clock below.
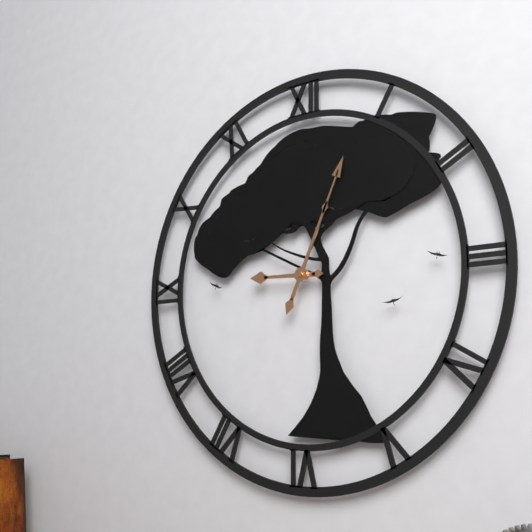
9:04
